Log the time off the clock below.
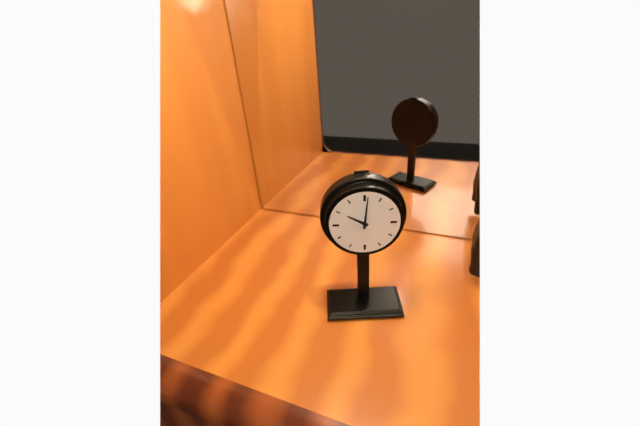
10:01
